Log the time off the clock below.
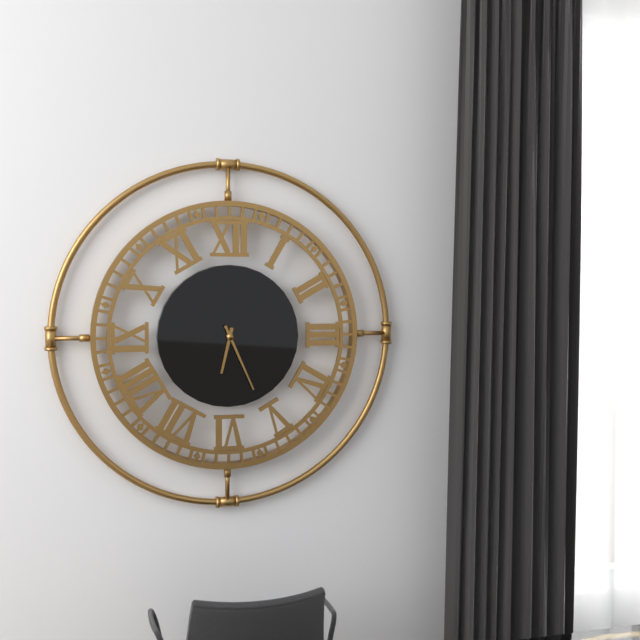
6:26
